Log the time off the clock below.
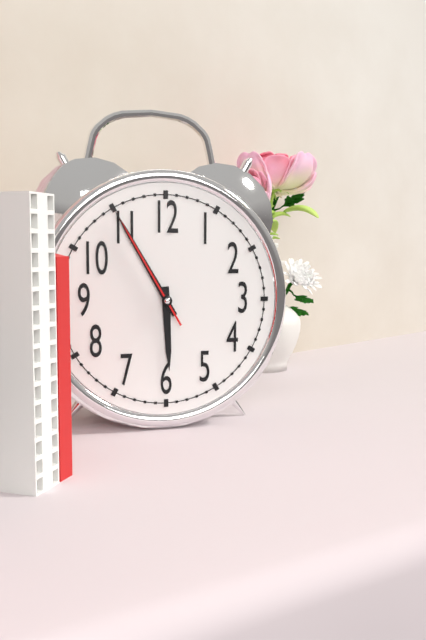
5:55:55
